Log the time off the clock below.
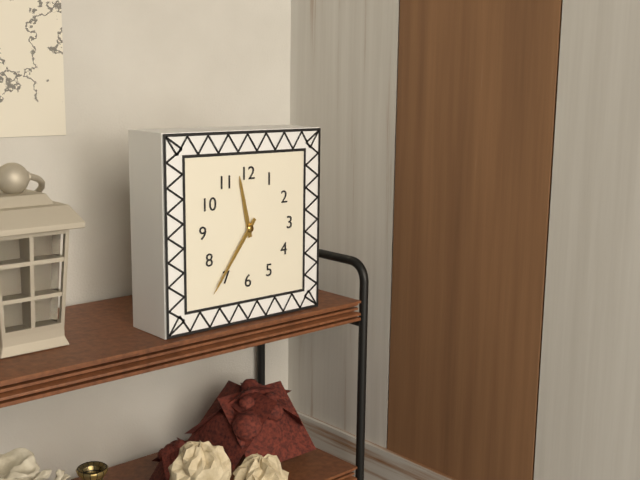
11:36
